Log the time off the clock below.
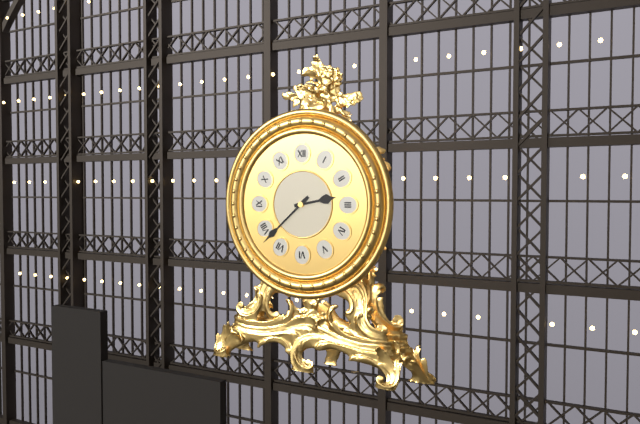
2:38
